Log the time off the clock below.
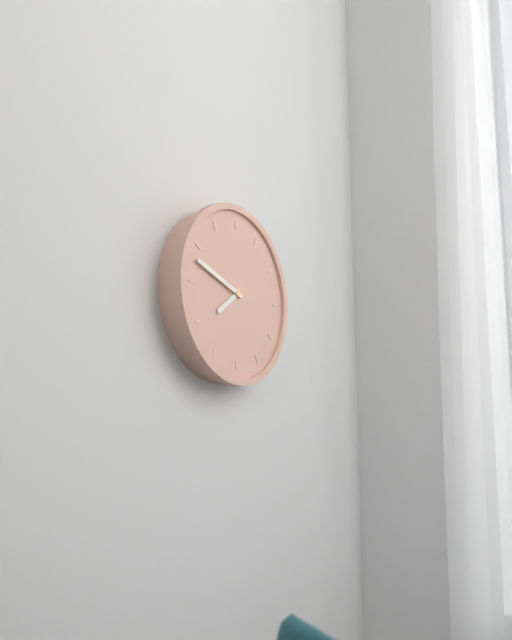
7:48
